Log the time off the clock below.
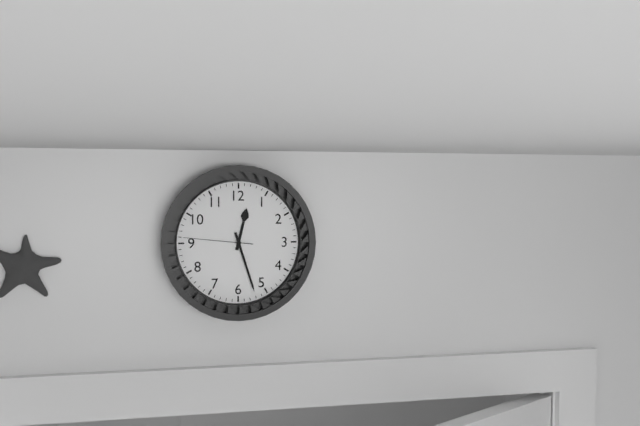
12:27:46
